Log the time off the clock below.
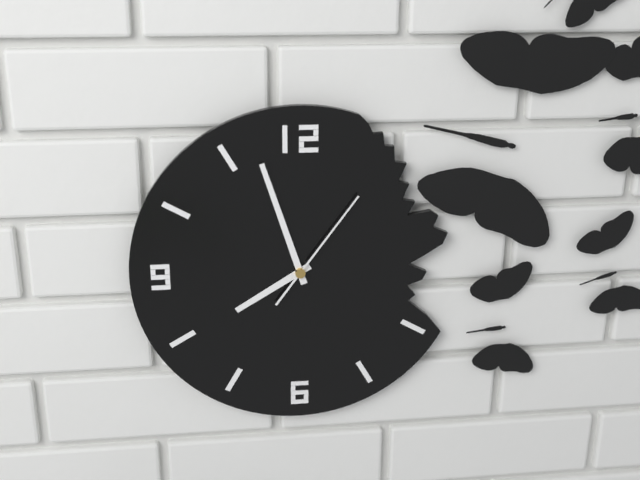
7:57:06
